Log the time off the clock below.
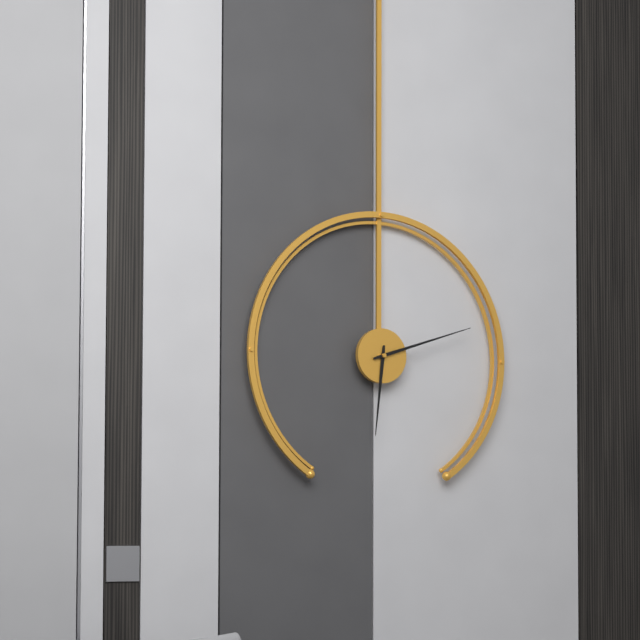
6:12
